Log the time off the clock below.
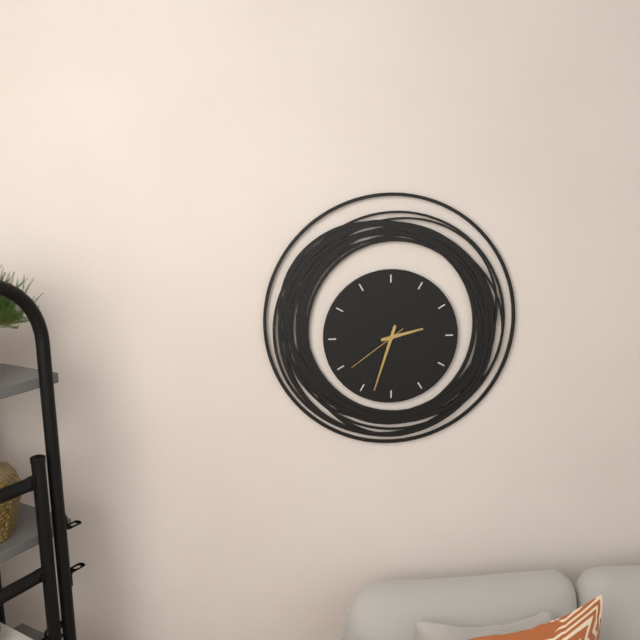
2:33:39
